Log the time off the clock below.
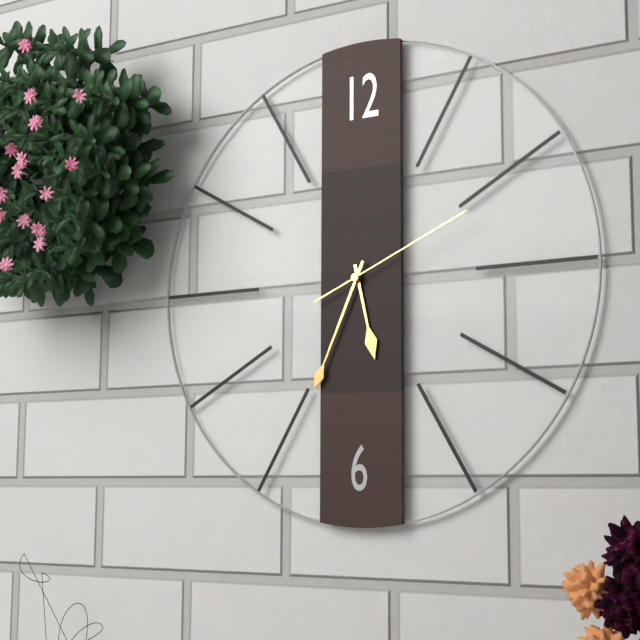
5:34:11
